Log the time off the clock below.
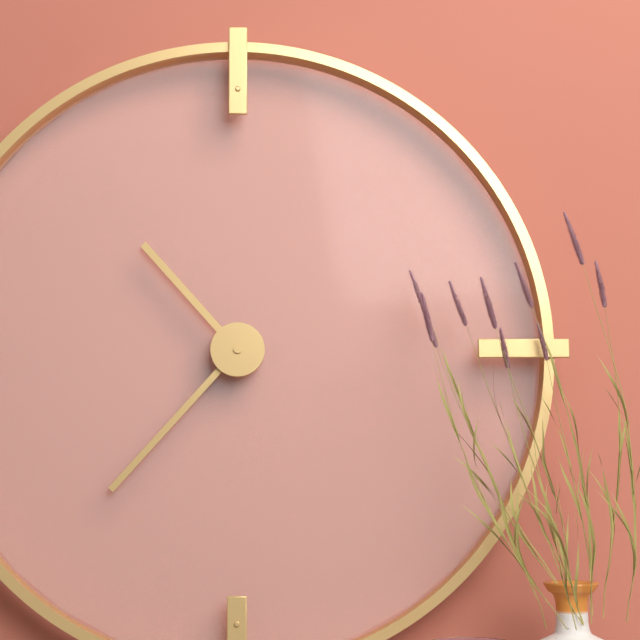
10:37
